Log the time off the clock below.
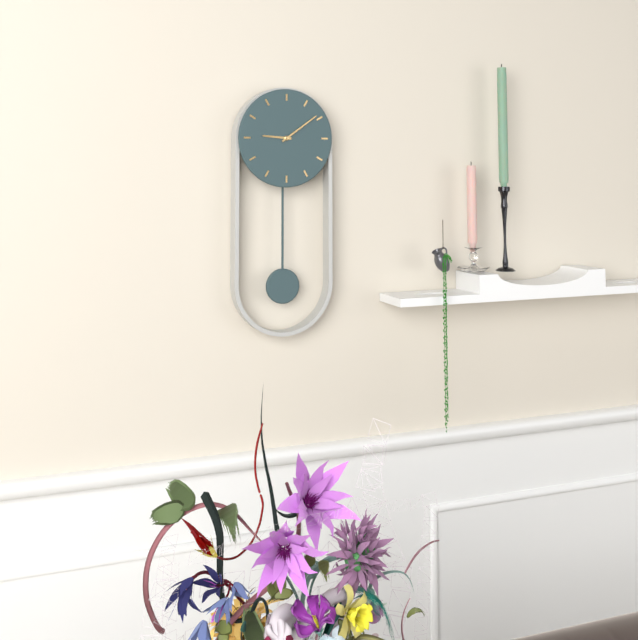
9:09
